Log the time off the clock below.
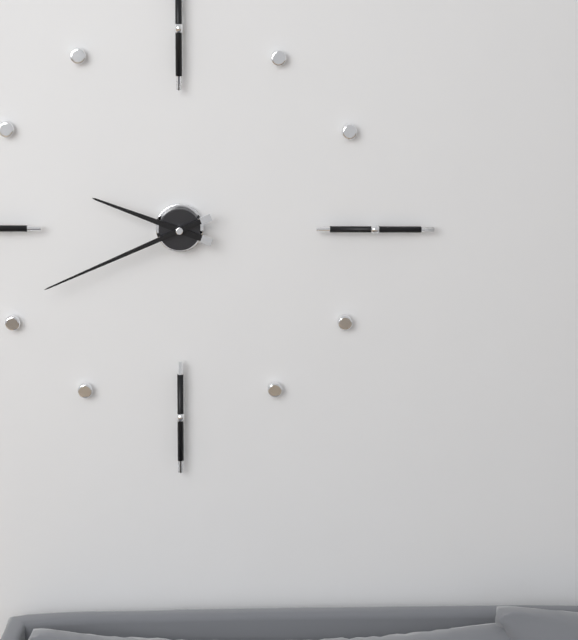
9:41
